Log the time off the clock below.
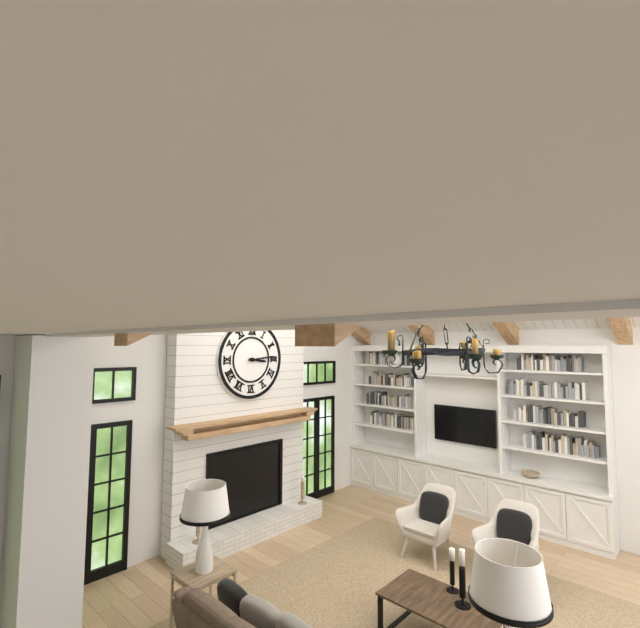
3:14
